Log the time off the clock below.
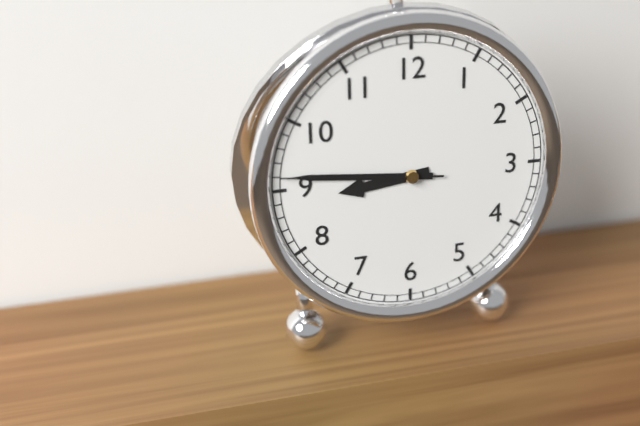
8:46:46
